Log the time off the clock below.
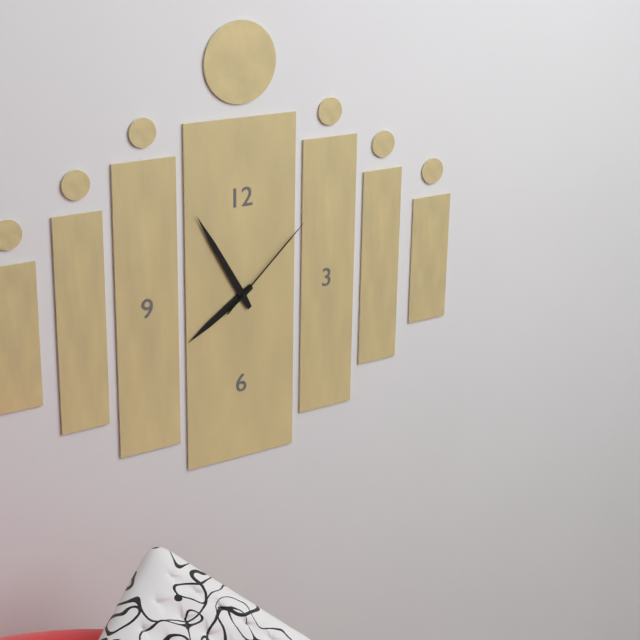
7:55:08
